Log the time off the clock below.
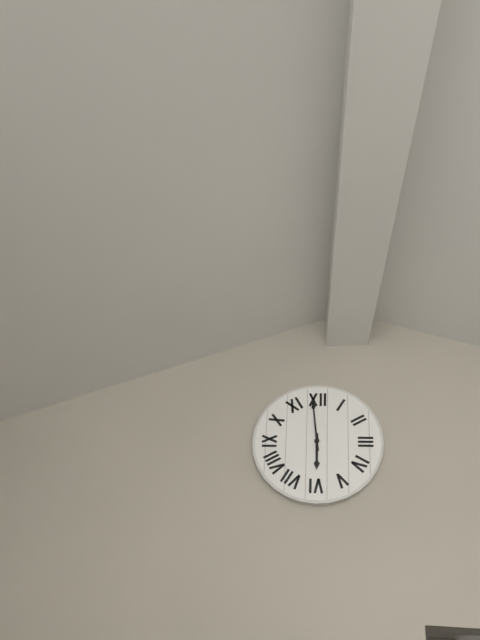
5:59
